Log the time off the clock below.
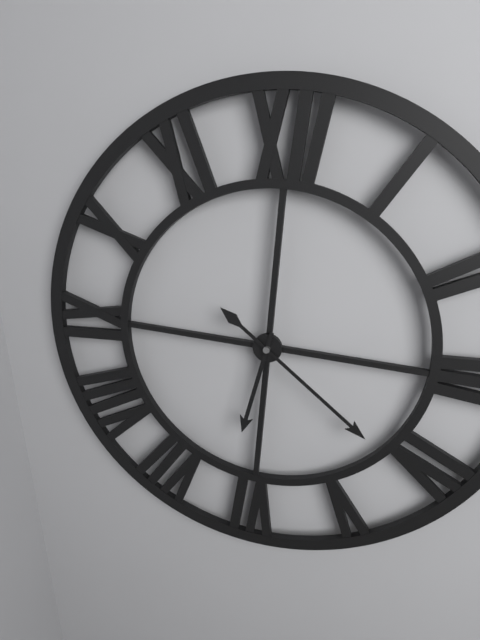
6:21
